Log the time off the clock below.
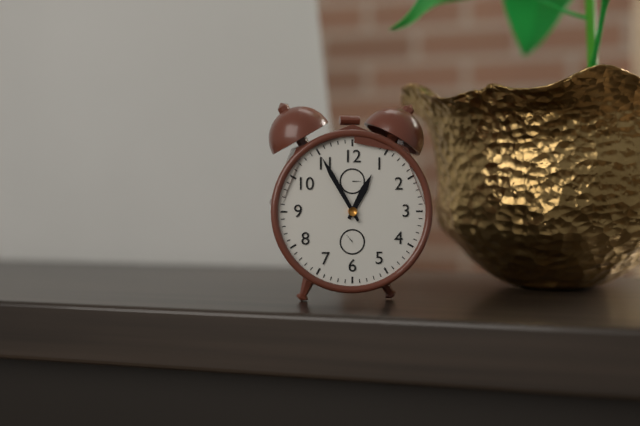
12:55
